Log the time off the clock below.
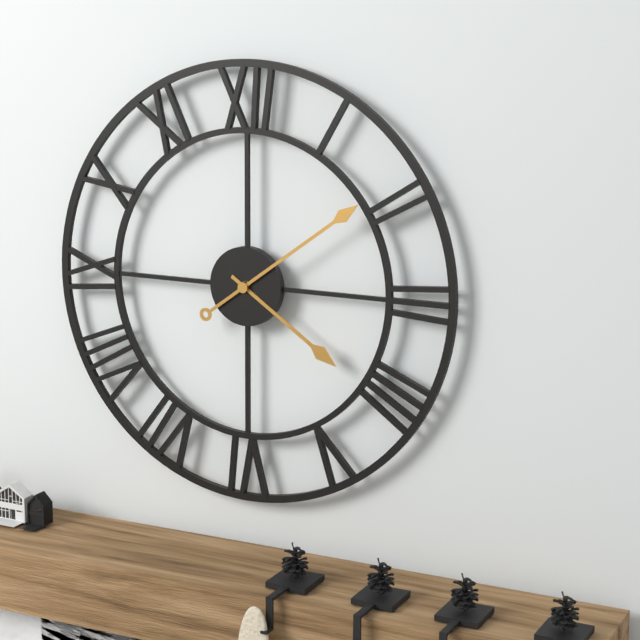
4:09
